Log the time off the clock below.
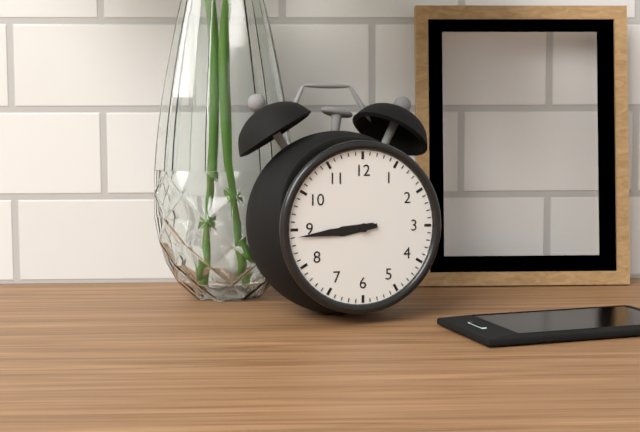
8:44
